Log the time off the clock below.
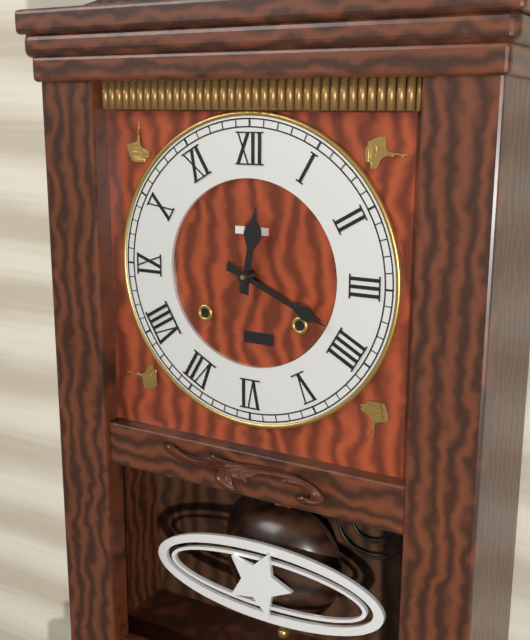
12:19
